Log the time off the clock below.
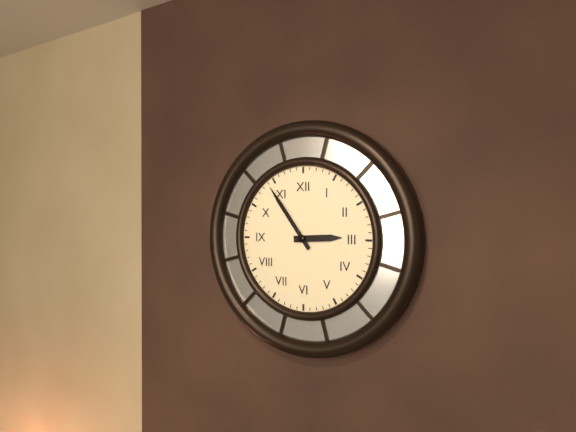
2:54
